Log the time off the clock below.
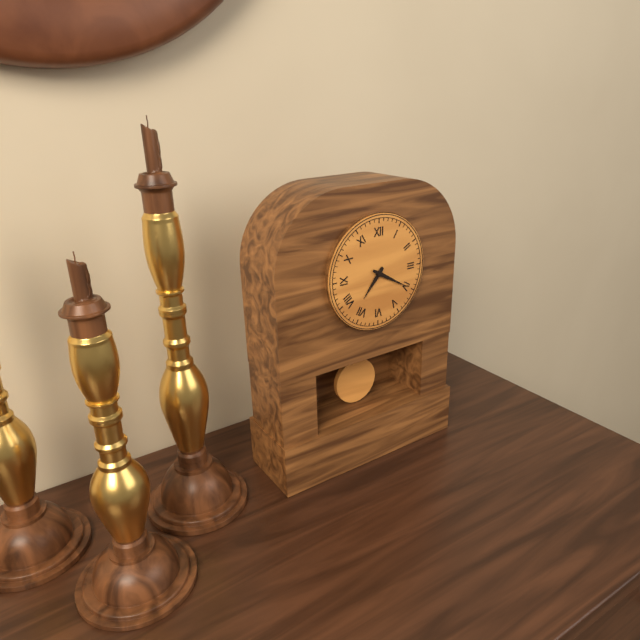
7:20
